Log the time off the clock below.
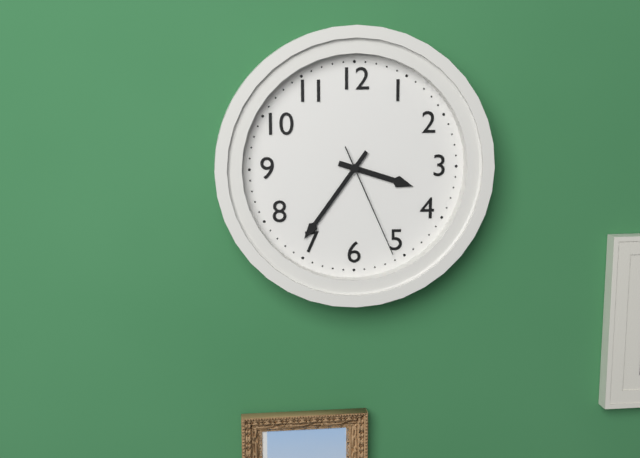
3:36:26
